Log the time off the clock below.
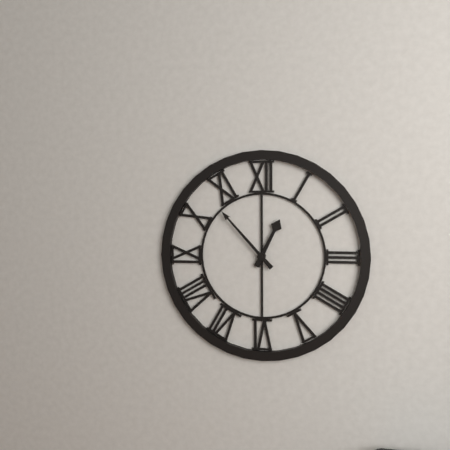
12:53
